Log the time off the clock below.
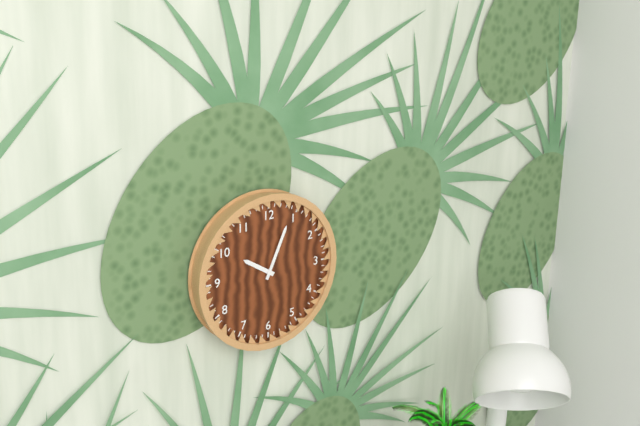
10:04
